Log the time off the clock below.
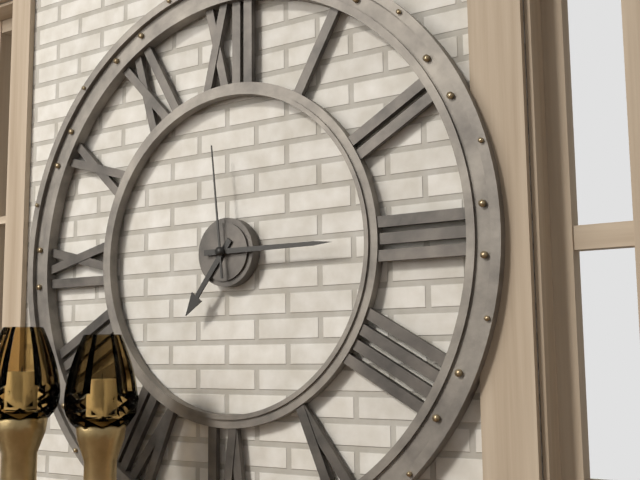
7:15:59
